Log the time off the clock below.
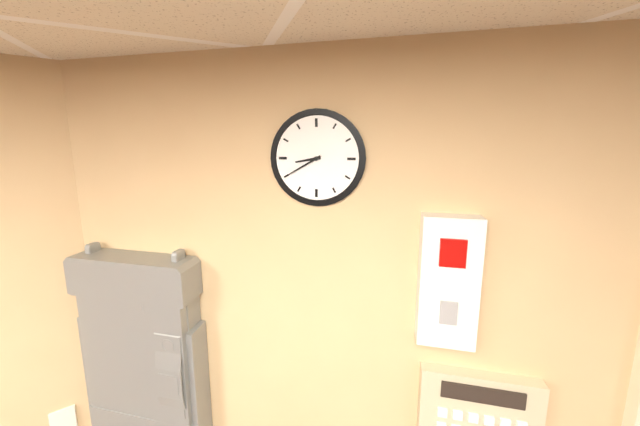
8:40
